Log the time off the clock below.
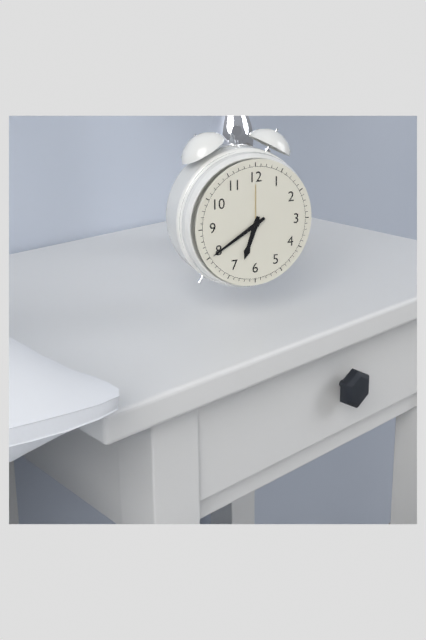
6:40
